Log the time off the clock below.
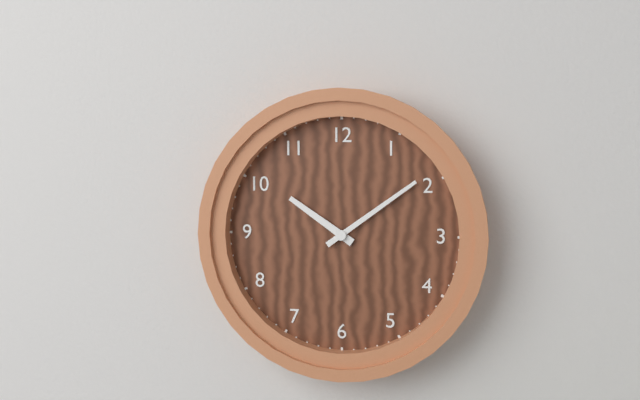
10:09
